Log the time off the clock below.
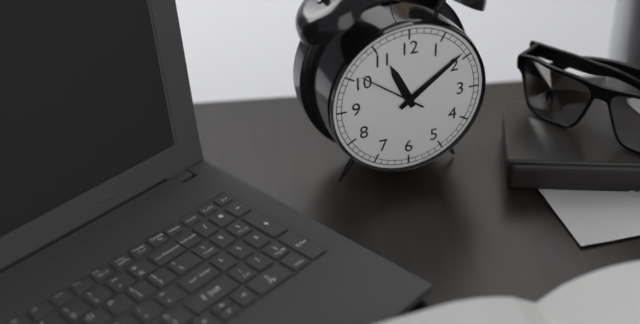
11:09:51
